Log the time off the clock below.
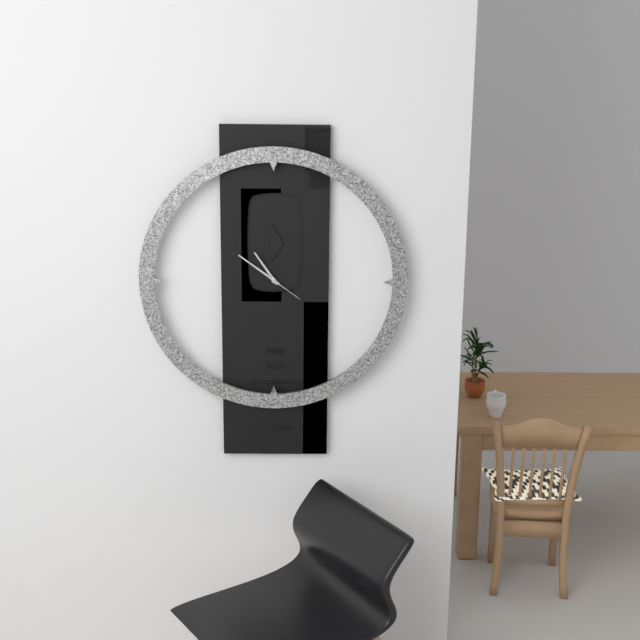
10:51
